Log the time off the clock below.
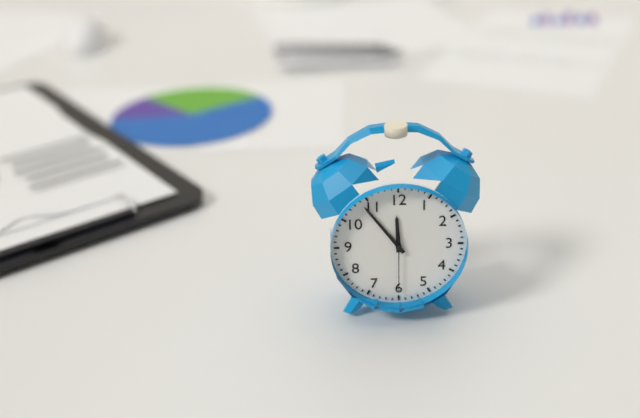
11:54:30
